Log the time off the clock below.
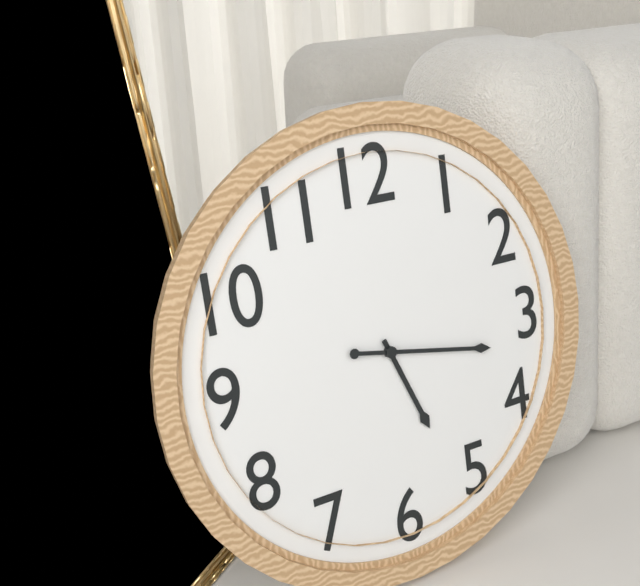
5:17
